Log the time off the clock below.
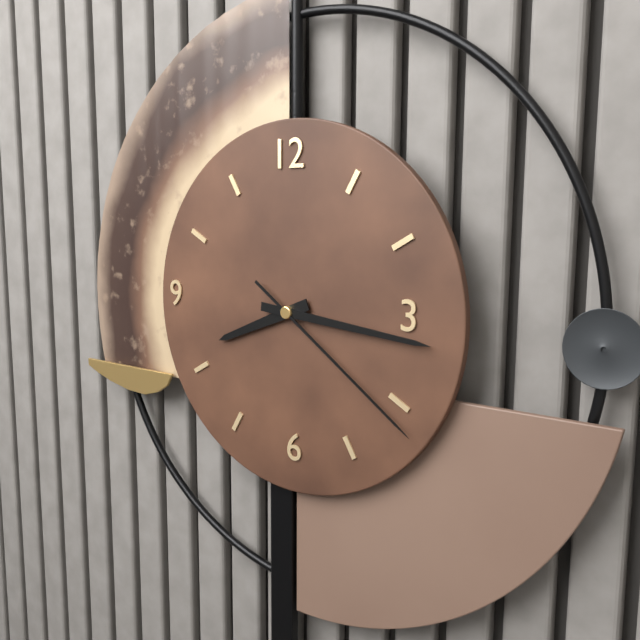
8:16:21
